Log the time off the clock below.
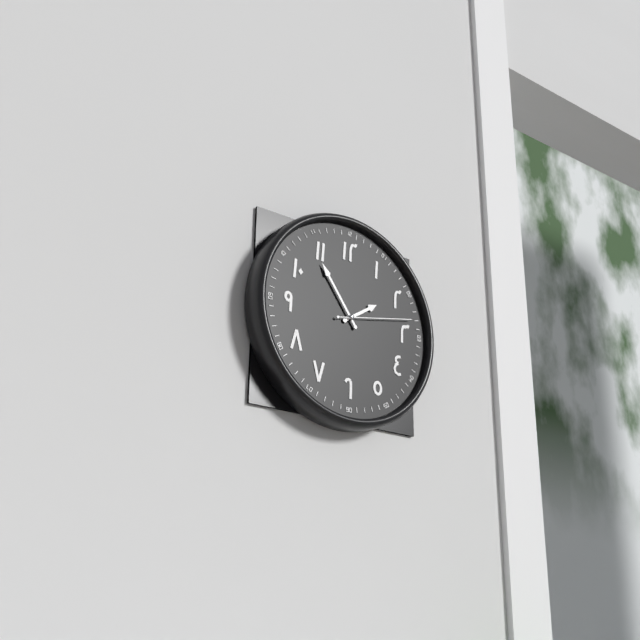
1:54:13
